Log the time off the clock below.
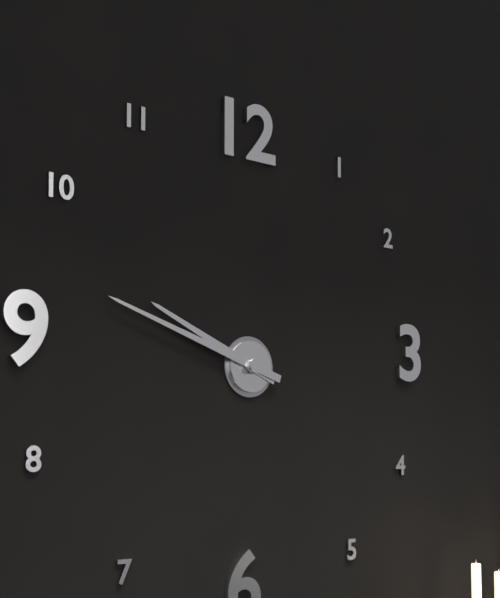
9:48
